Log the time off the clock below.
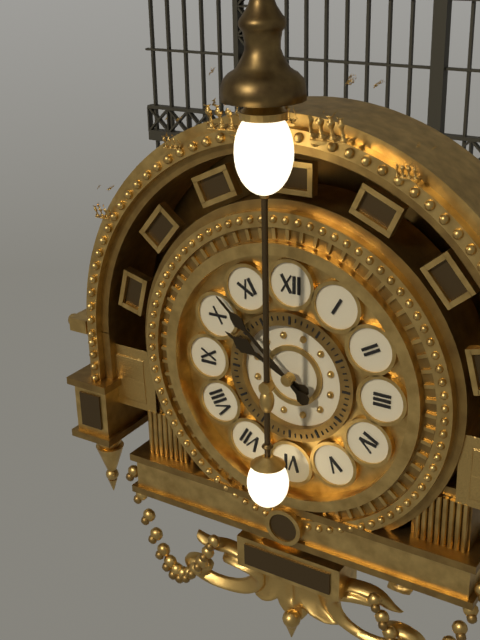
9:52
